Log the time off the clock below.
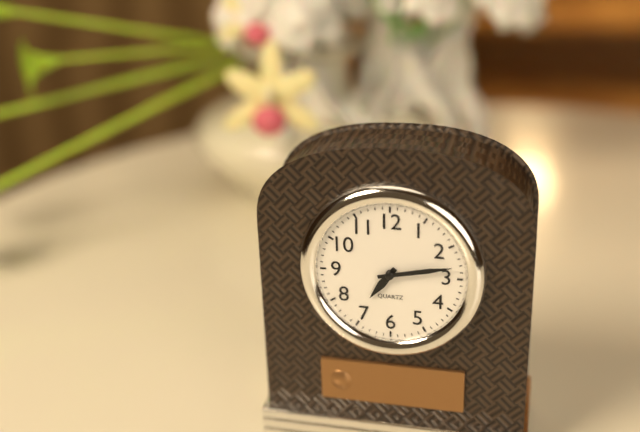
7:13
